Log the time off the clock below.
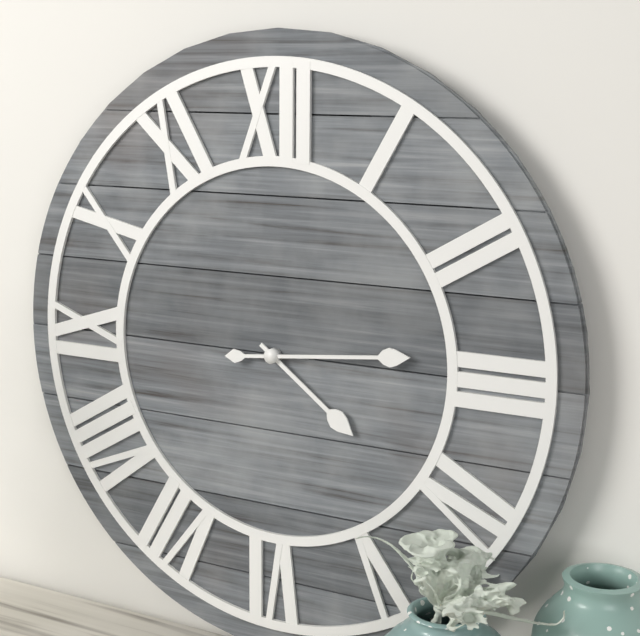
4:14
